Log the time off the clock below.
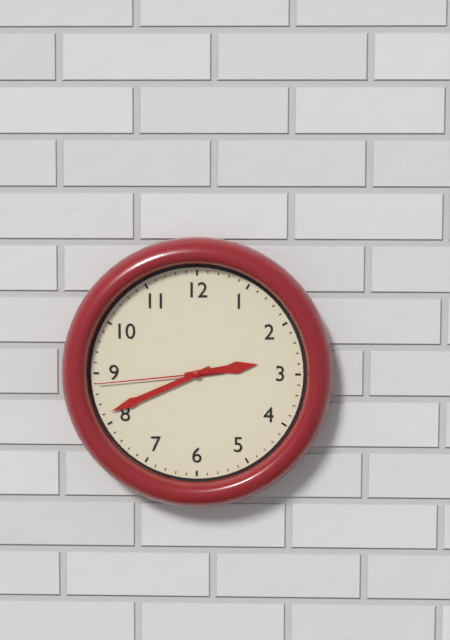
2:41:44
